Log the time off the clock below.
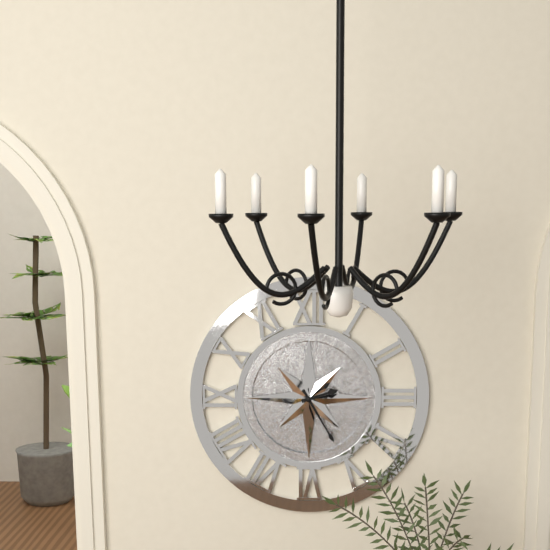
2:25
